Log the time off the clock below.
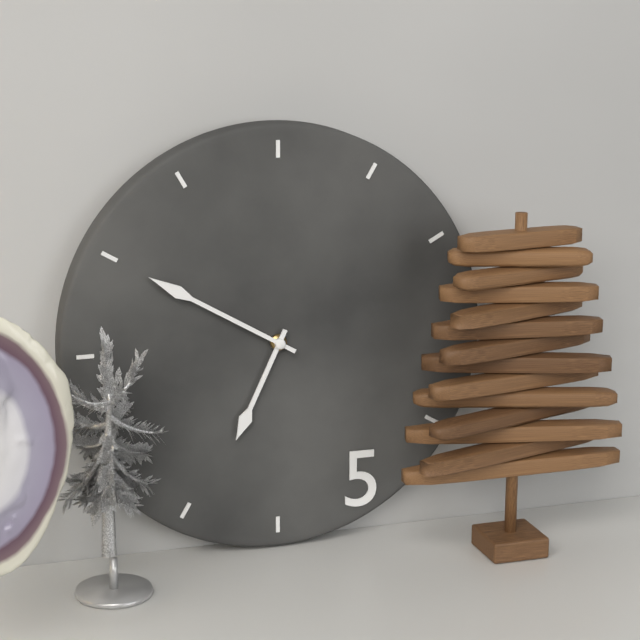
6:50
